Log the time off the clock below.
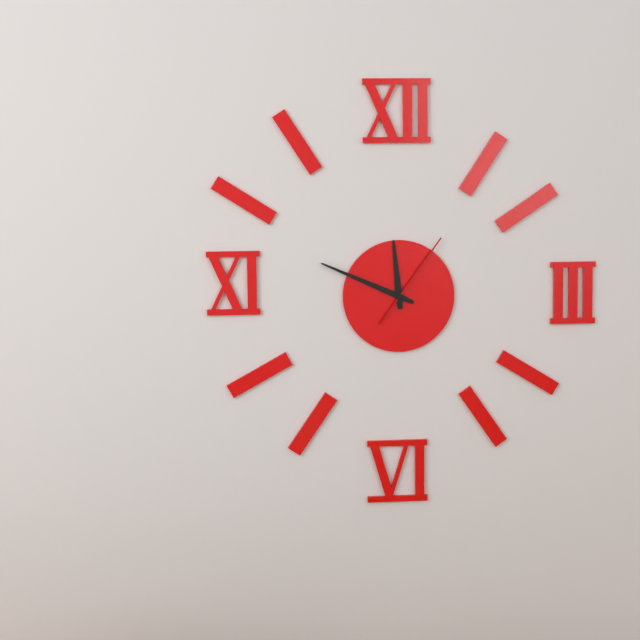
11:49:06
